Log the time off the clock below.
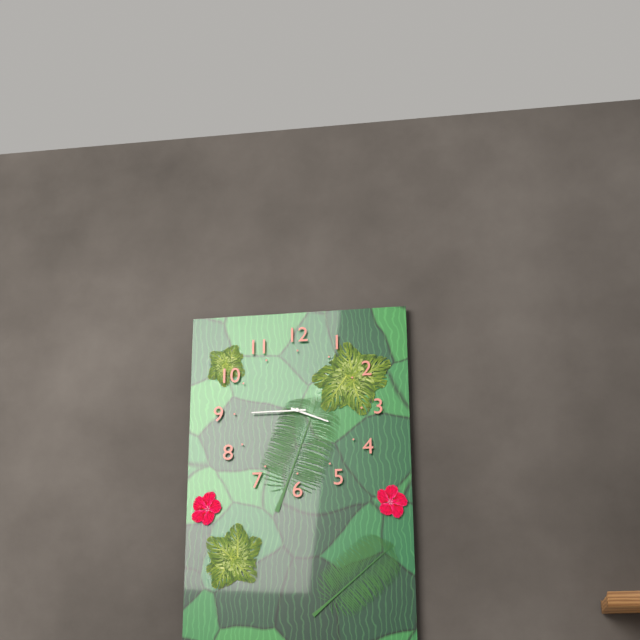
3:45
